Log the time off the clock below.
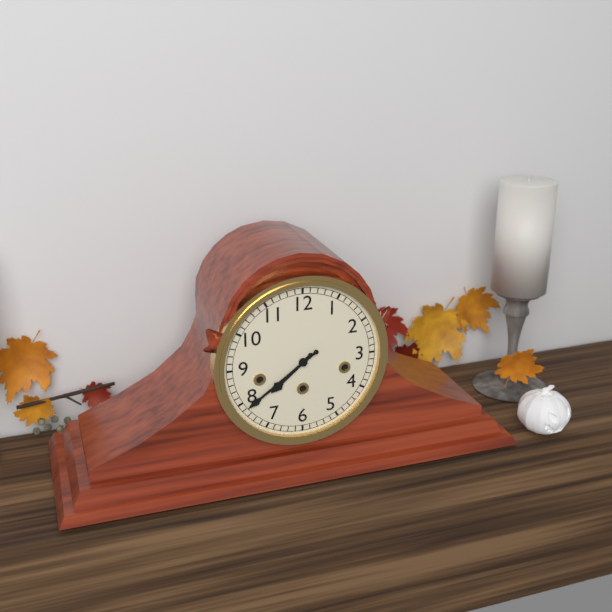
7:39
